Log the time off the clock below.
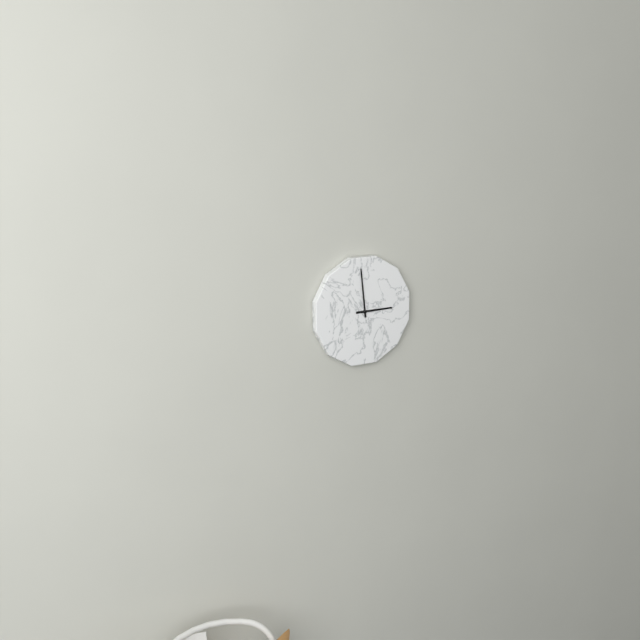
2:59
